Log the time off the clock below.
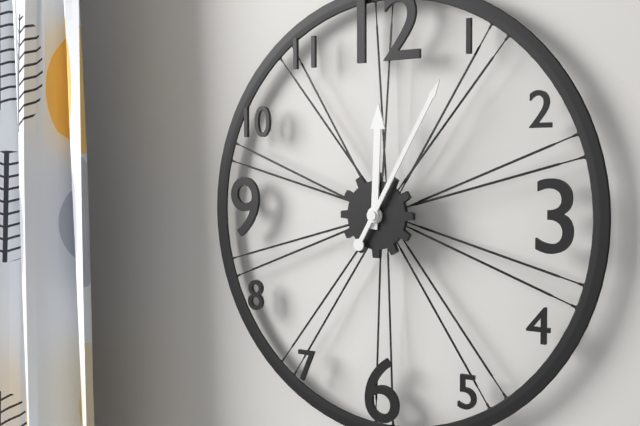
12:05
